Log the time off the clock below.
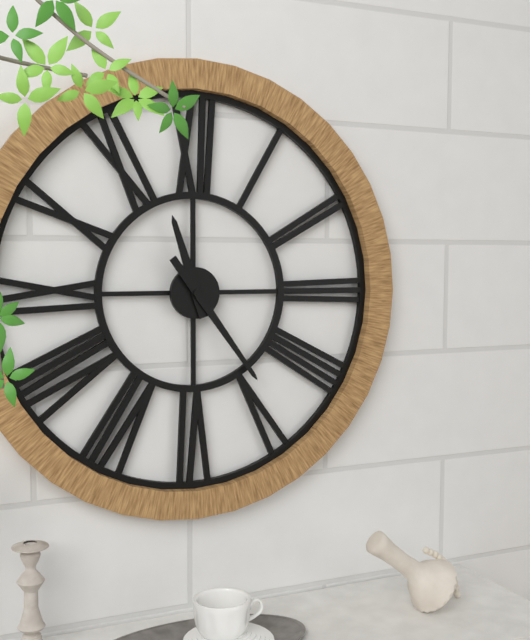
11:24
